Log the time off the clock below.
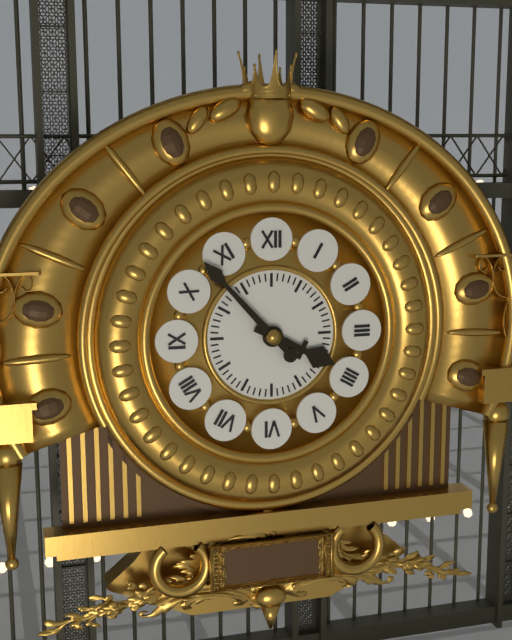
3:53
